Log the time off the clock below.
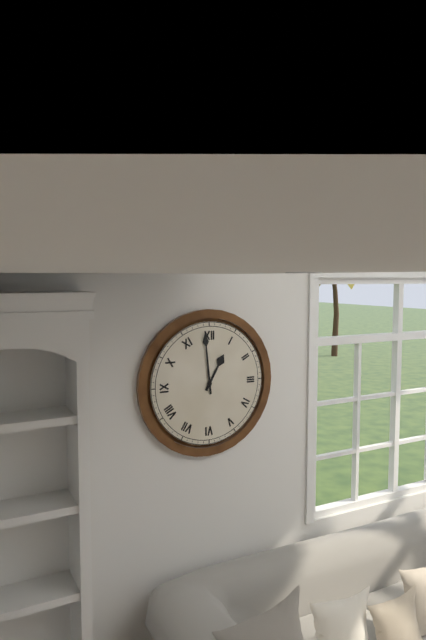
12:59
